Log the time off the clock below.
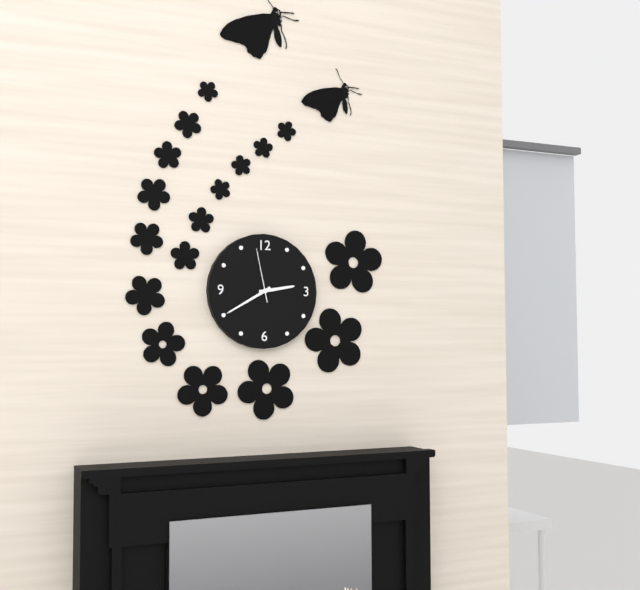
2:40:58
